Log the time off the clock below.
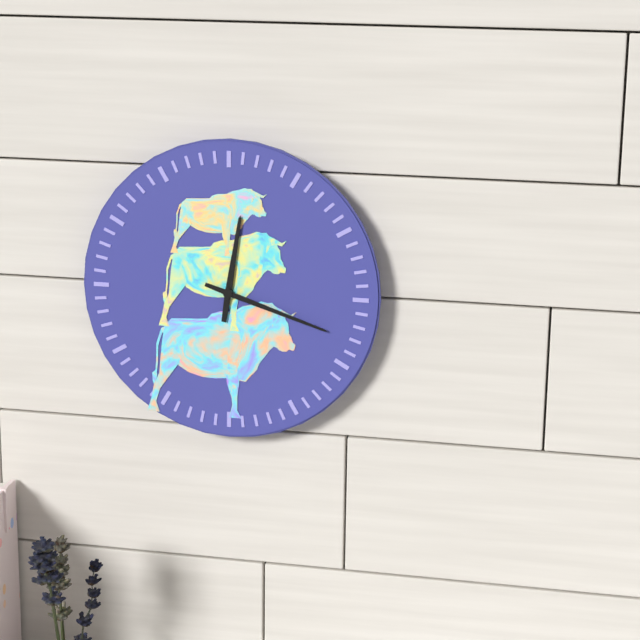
12:18
